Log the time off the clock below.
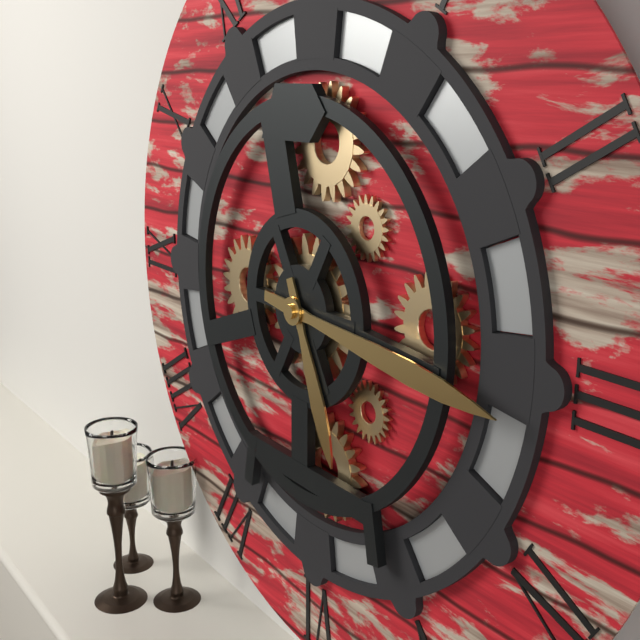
5:16
